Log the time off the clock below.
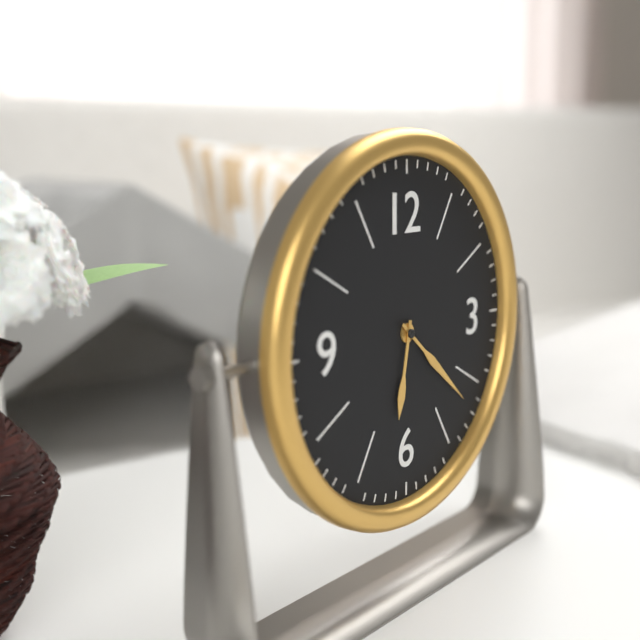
6:22
